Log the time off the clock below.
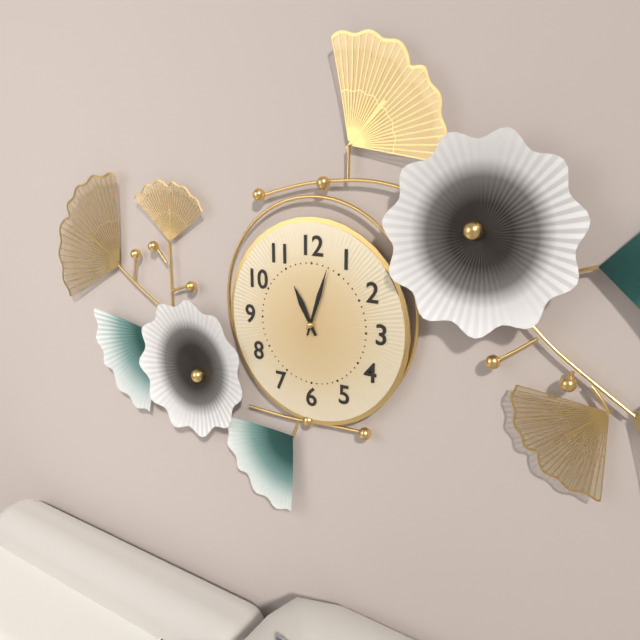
11:03
